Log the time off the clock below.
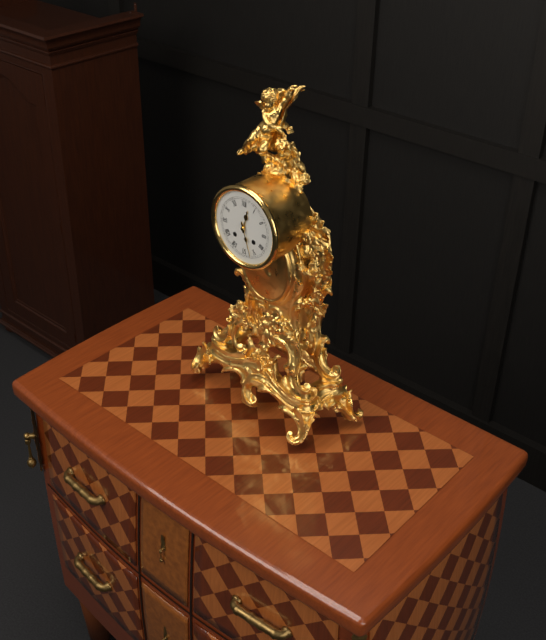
12:27
